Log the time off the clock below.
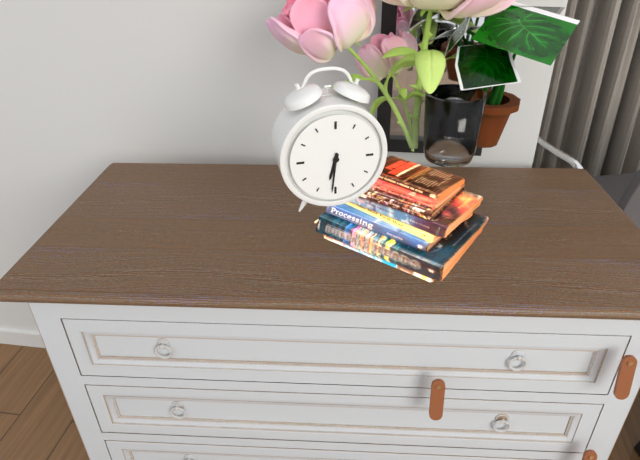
6:31
